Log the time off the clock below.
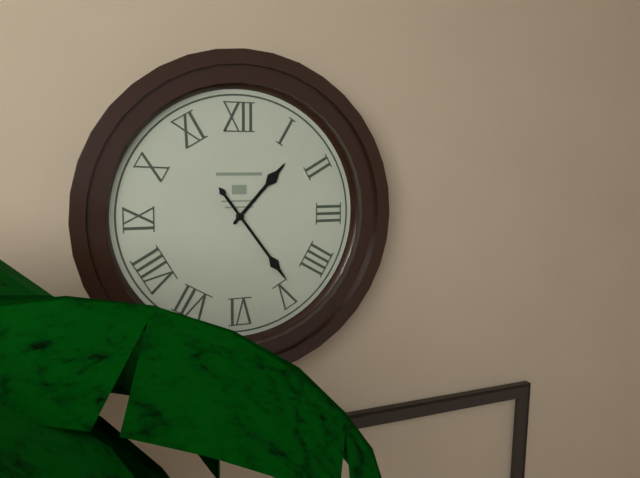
1:24
